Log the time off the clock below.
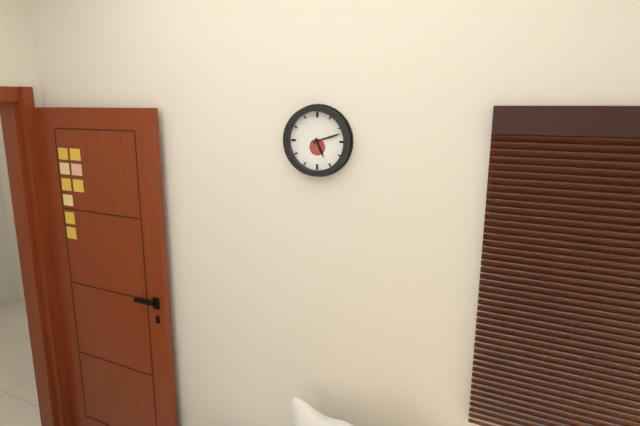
5:12
